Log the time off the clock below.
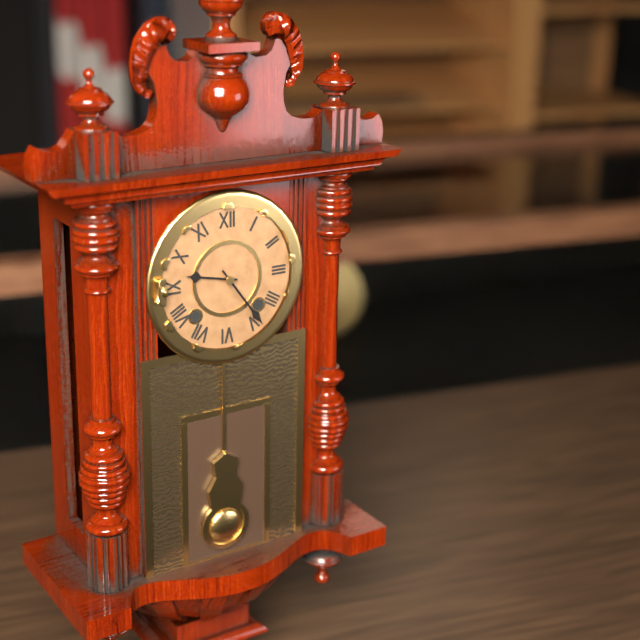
9:24
